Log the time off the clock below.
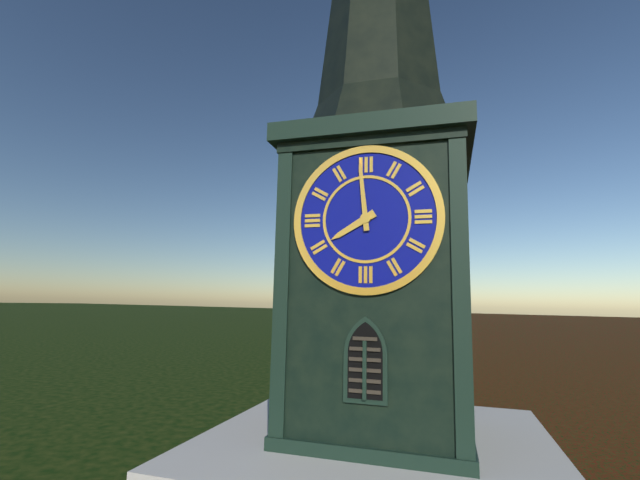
7:59
